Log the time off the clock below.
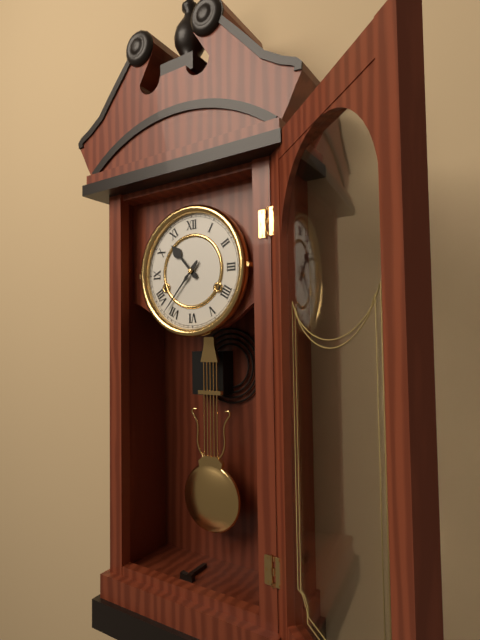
10:37
